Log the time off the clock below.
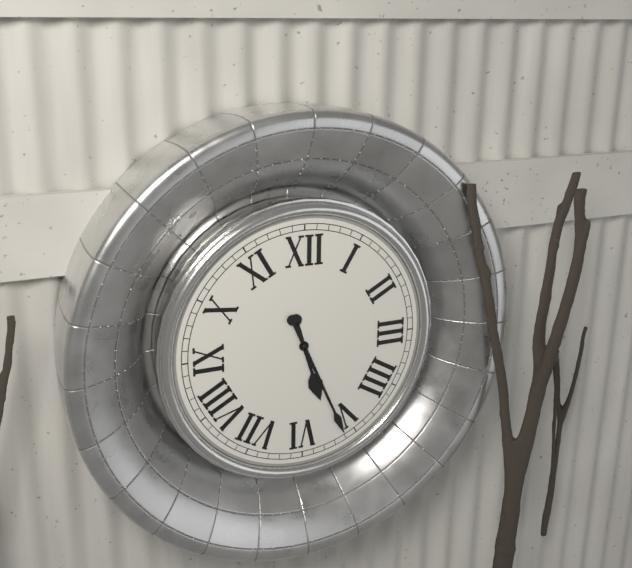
5:26
